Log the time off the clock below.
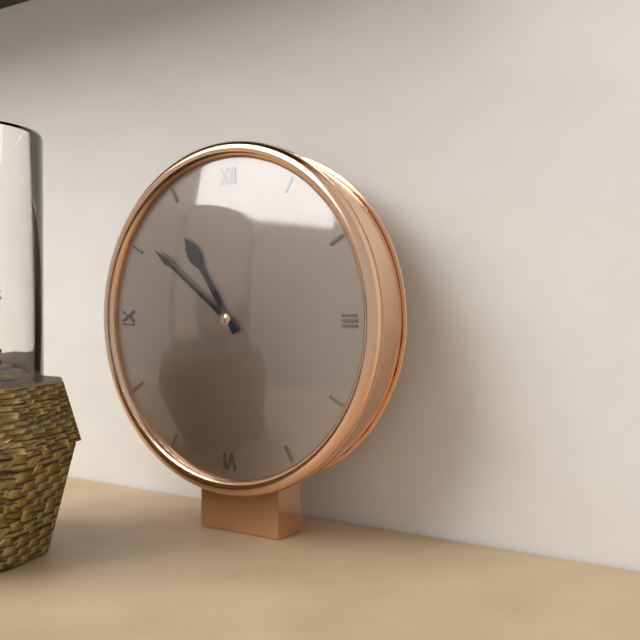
10:51
